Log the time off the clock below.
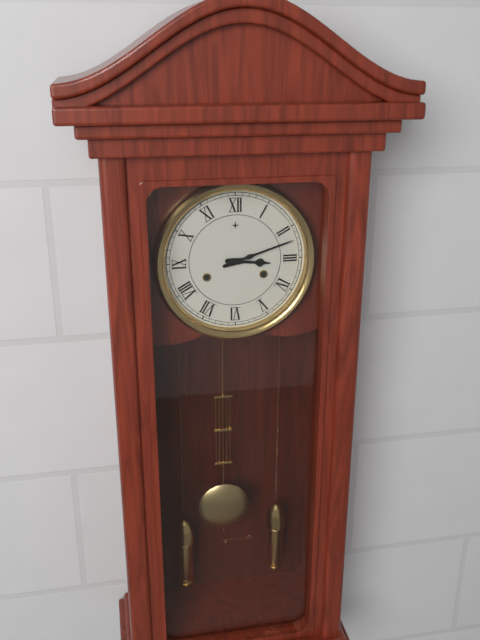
3:12
